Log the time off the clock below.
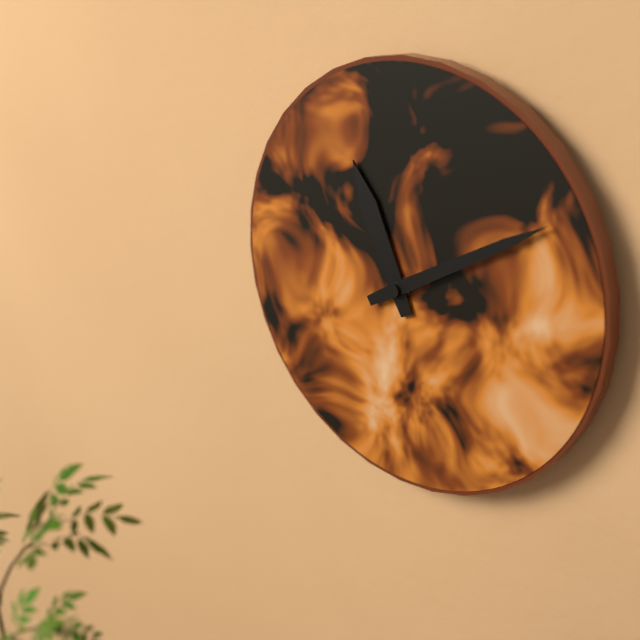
11:10
